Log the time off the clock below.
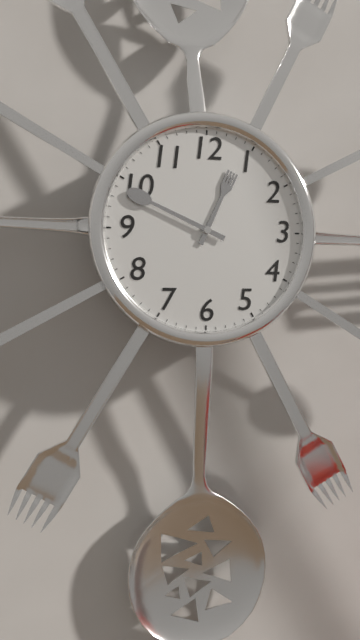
12:49
